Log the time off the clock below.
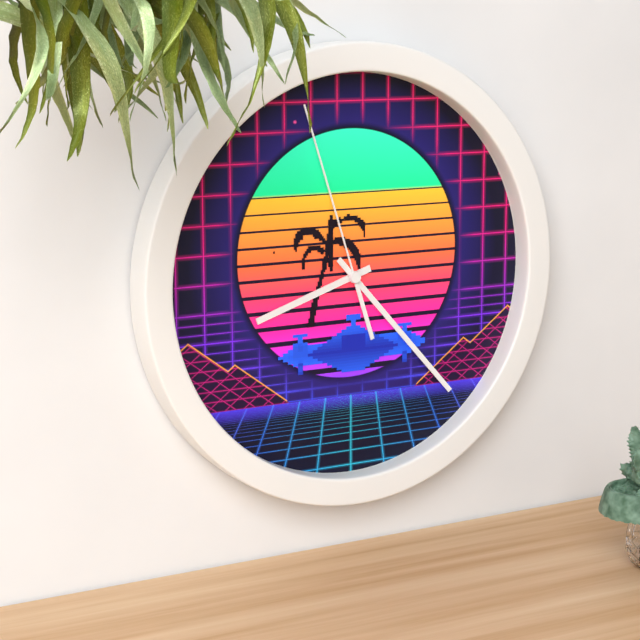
8:23:57
